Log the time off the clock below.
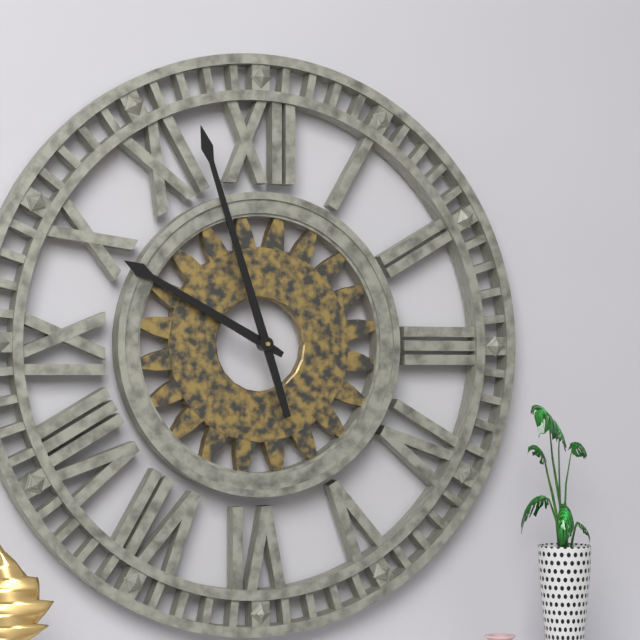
9:57
